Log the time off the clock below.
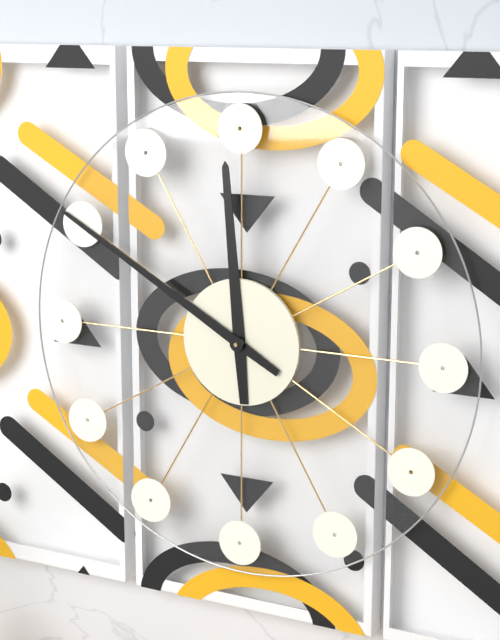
11:50
